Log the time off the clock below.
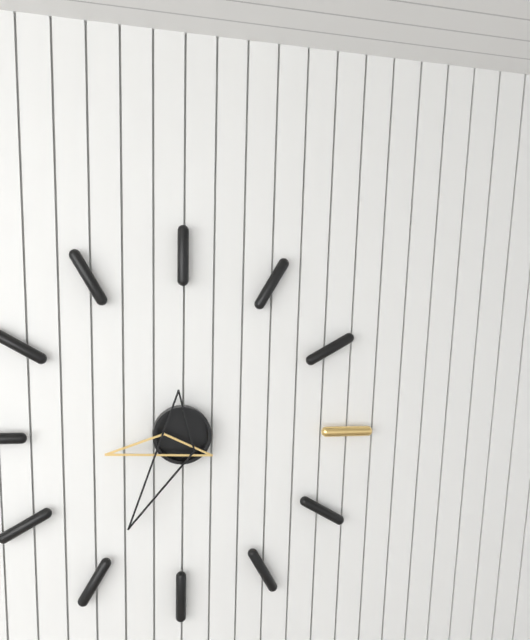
8:35
